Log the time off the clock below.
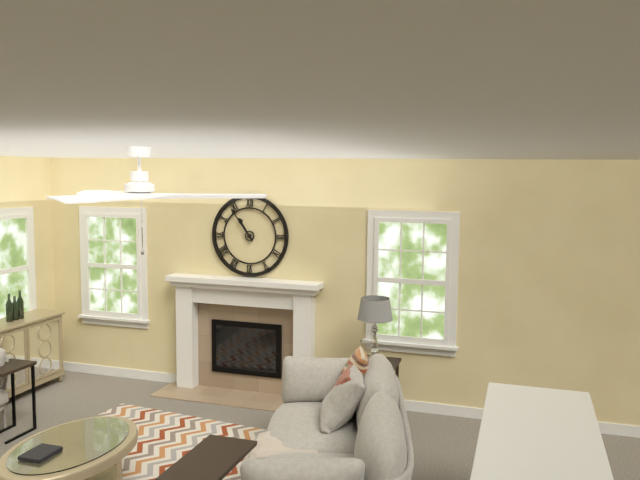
10:54
